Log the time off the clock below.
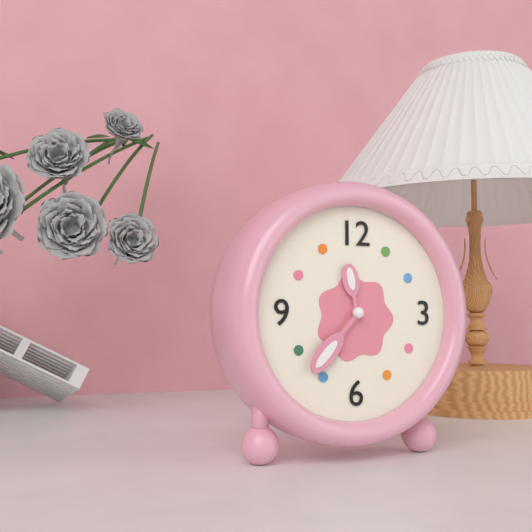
11:37
